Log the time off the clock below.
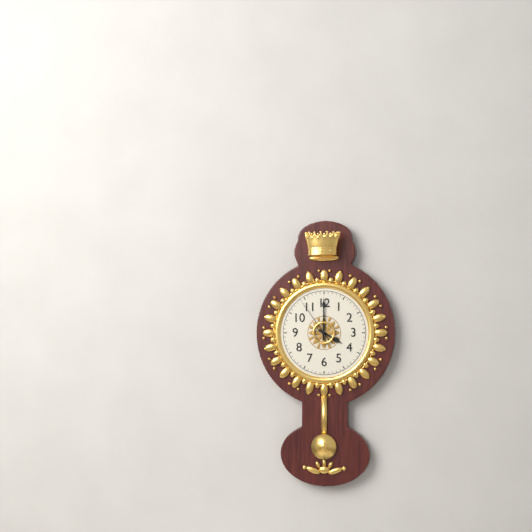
4:00
